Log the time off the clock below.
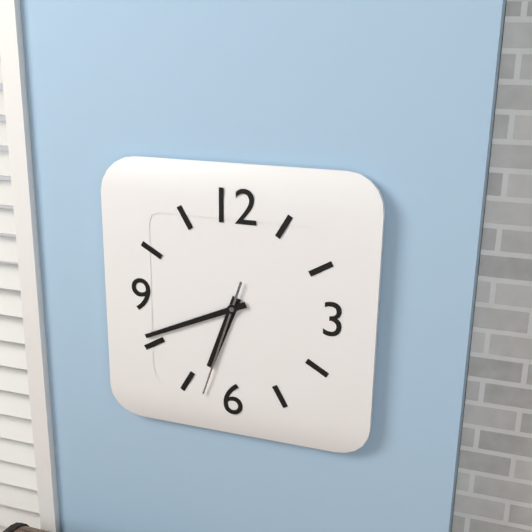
6:41:33
